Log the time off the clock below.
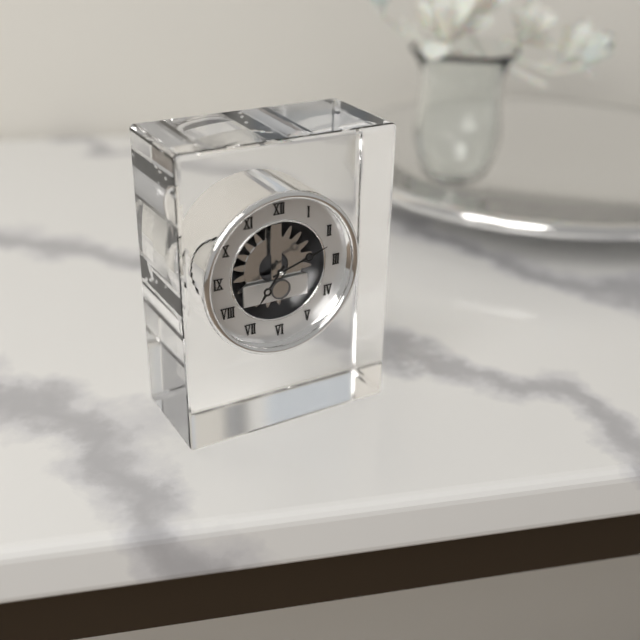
7:12
